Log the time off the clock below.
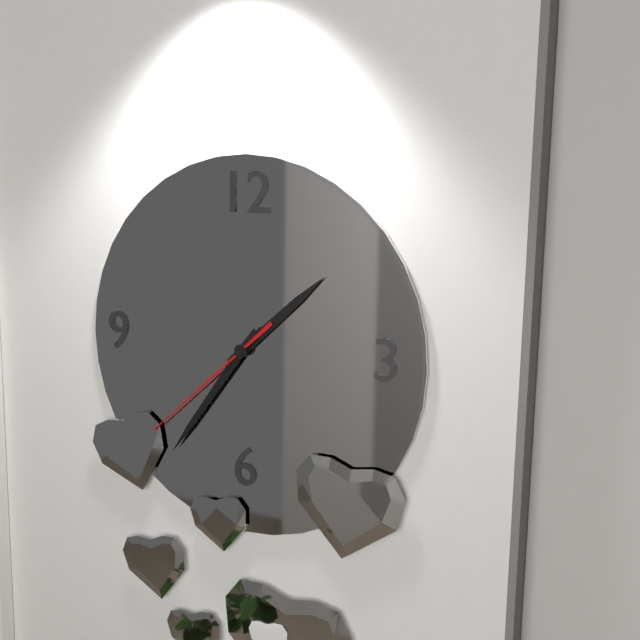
1:36:38
